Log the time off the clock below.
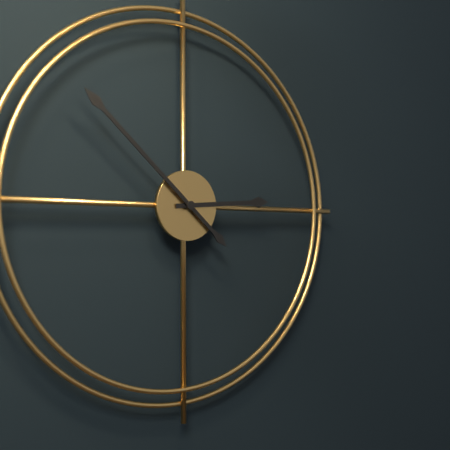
2:52
